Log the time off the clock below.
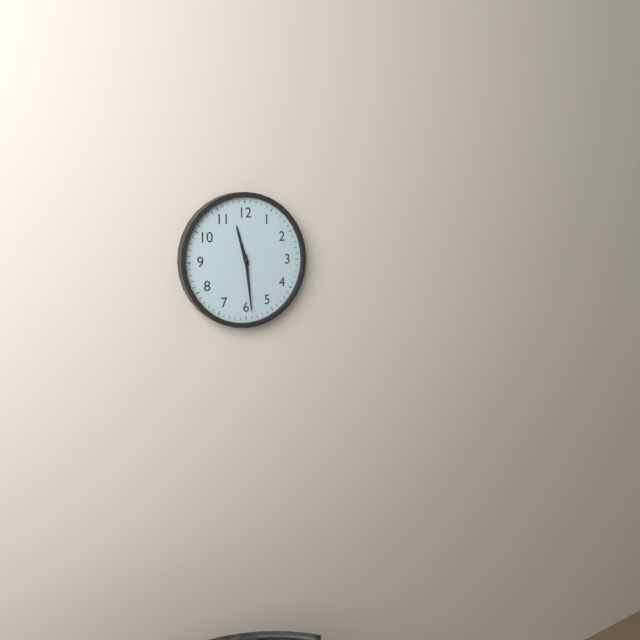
11:29
